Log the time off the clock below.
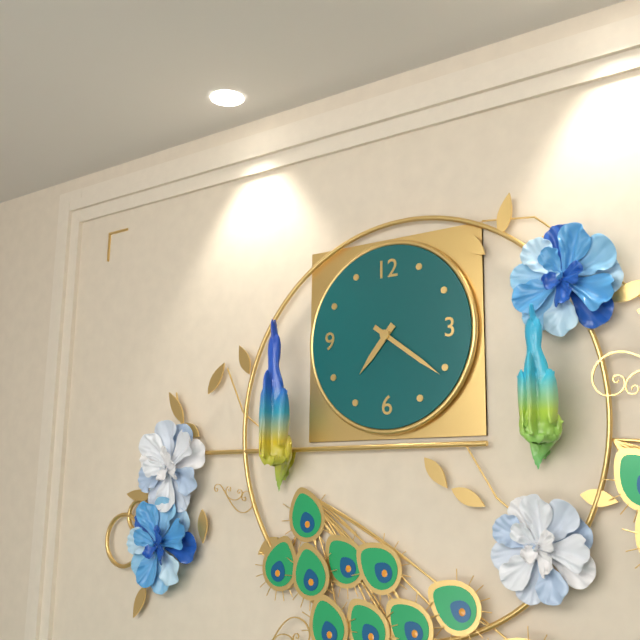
7:21
